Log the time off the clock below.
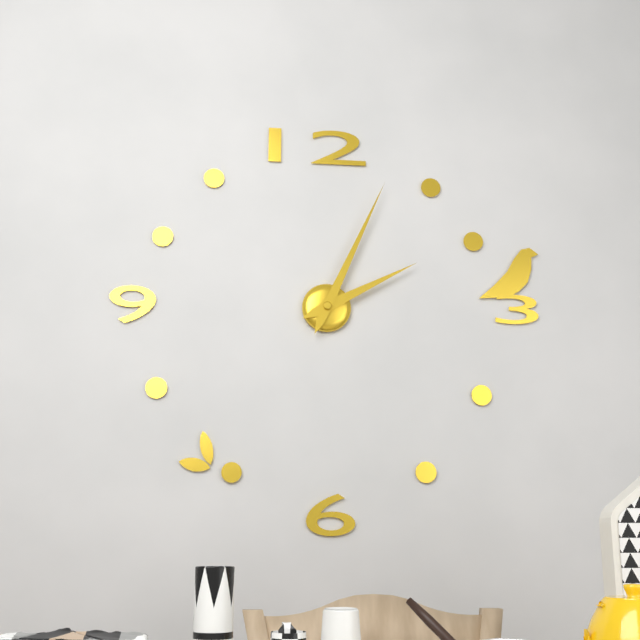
2:04
